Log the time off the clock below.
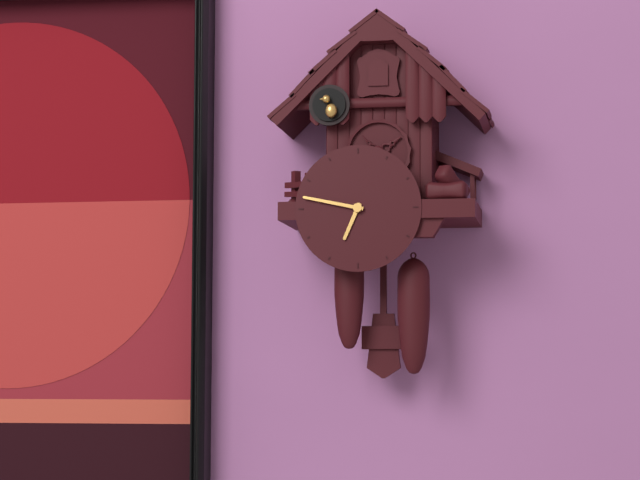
6:47
